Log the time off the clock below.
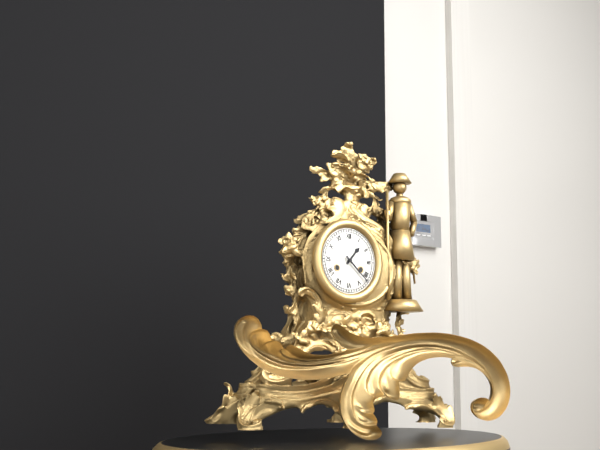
1:22
